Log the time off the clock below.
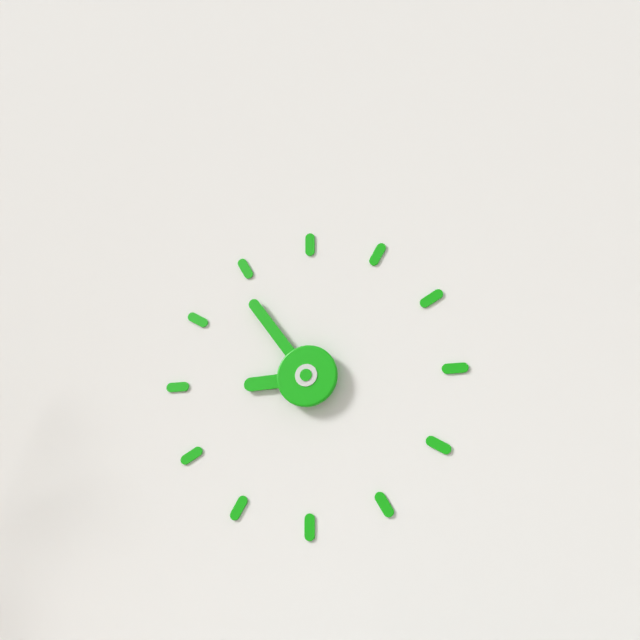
8:54
